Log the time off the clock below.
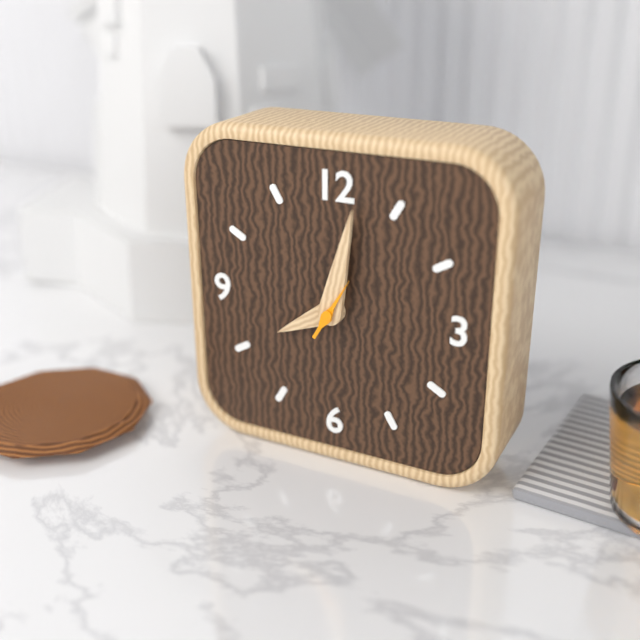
8:02:05
